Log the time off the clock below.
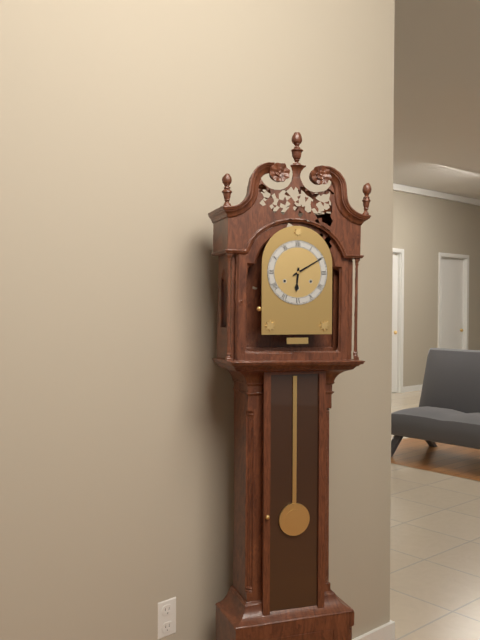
6:10
